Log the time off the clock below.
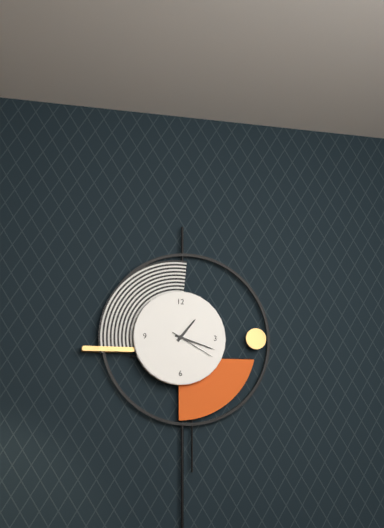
1:18
